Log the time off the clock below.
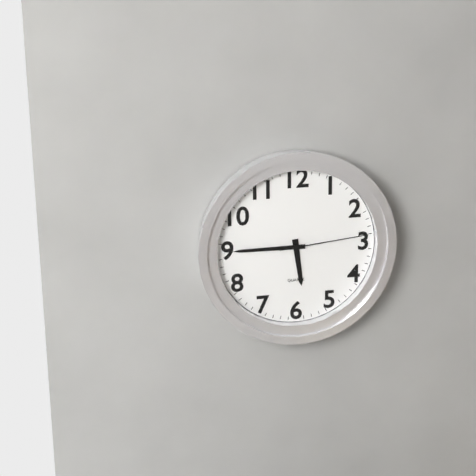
5:45:14
